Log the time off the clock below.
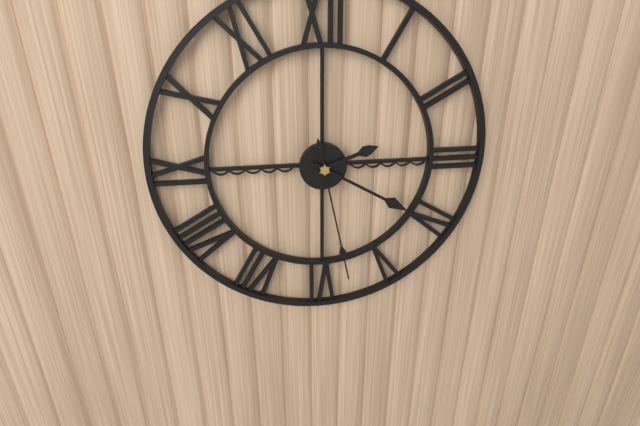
2:20:28
